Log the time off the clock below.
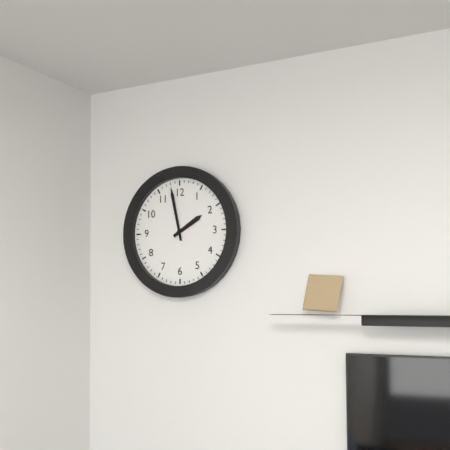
1:58
